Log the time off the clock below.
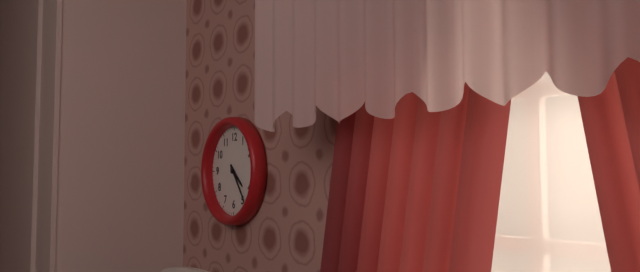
4:24
